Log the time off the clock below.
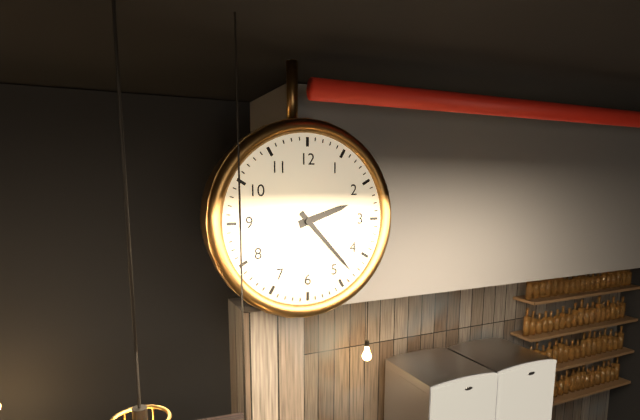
2:23
